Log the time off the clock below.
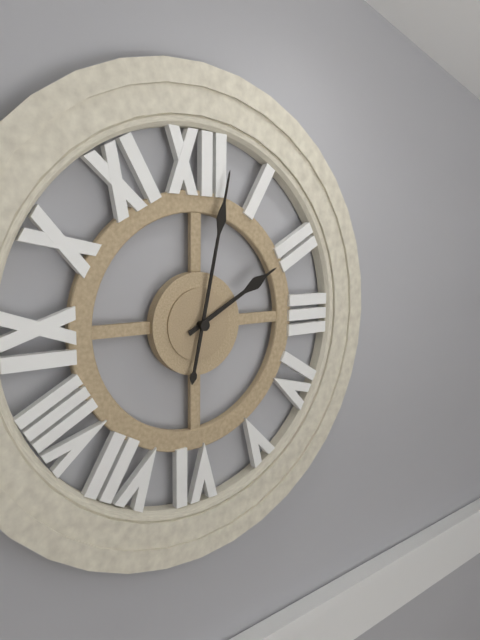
2:02
